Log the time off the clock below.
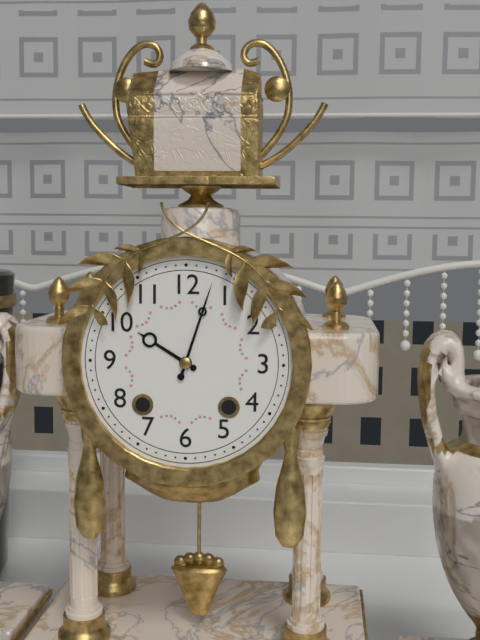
10:03
